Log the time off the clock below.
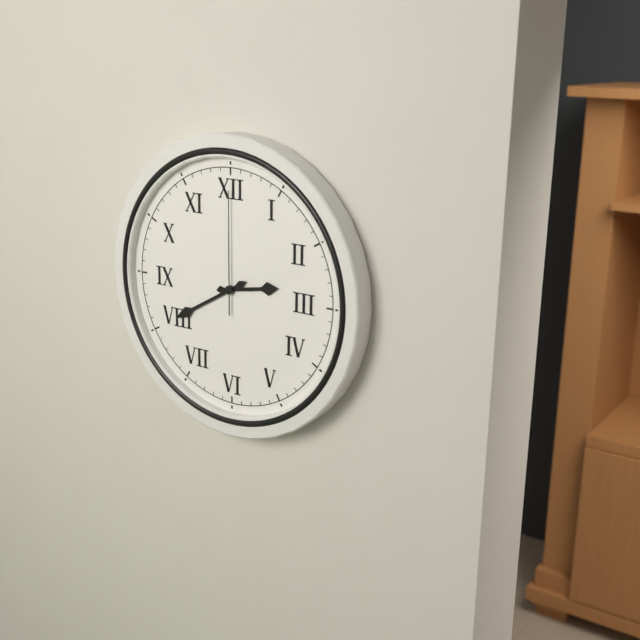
2:40:00
